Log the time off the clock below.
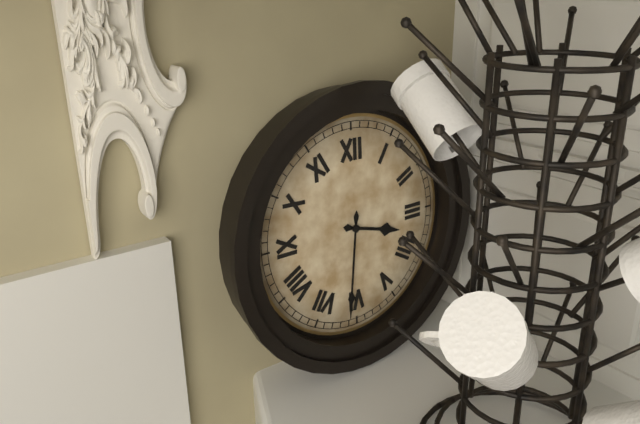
3:31
